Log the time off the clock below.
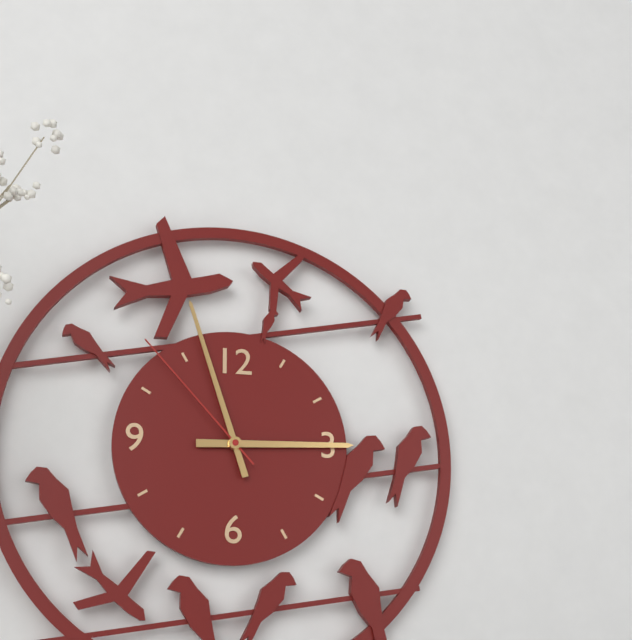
2:57:53
